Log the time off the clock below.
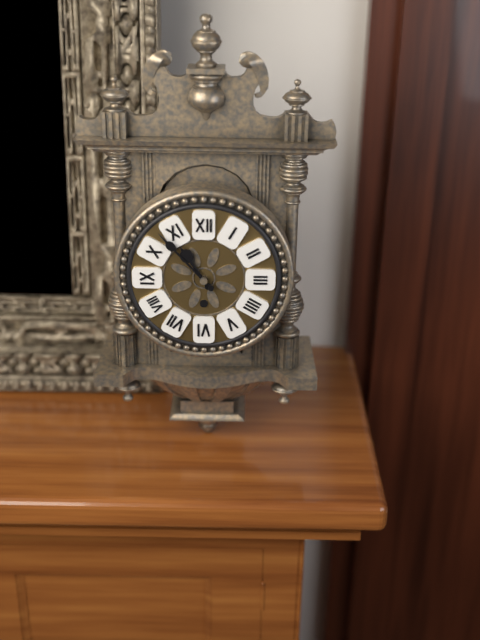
10:53
